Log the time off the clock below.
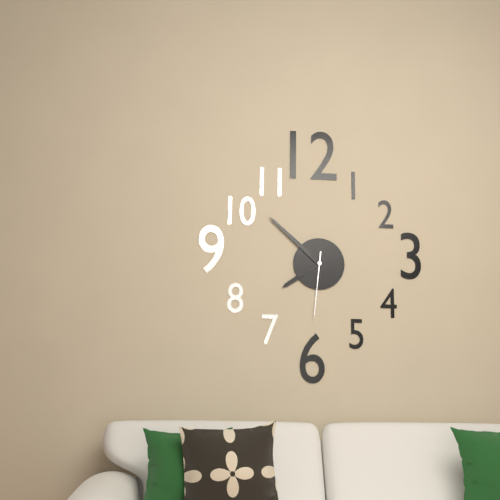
7:52:31
